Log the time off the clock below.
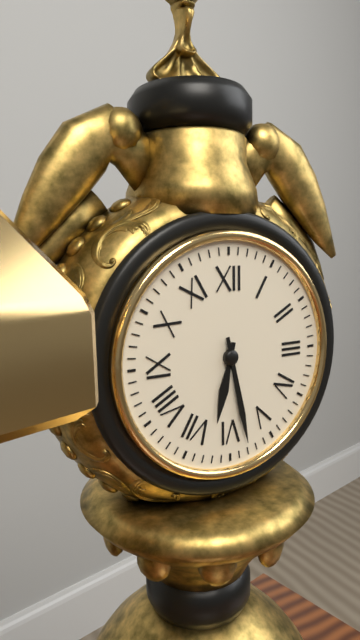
6:28
